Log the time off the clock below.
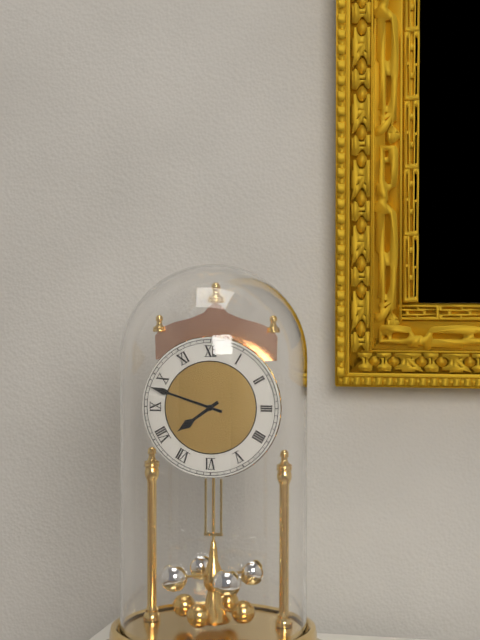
7:48
